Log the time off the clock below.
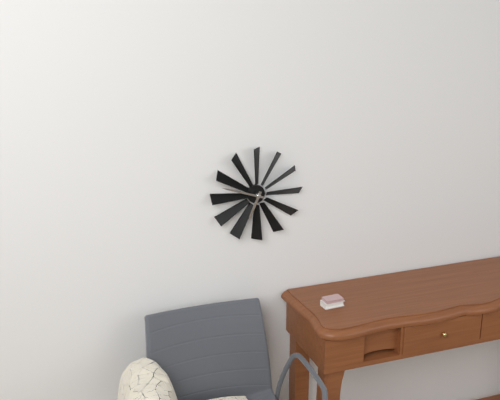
6:48
